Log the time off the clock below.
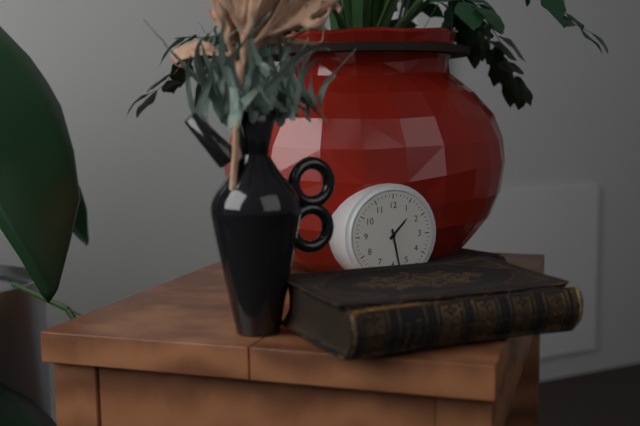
1:28
